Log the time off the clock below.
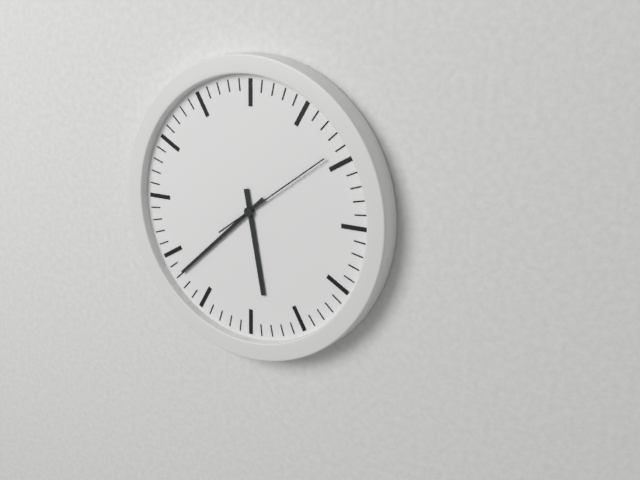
5:38:09
